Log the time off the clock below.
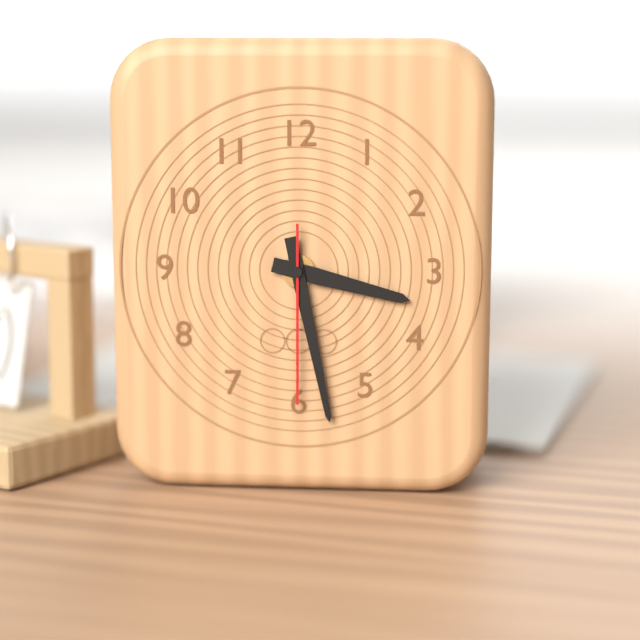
3:28:30
